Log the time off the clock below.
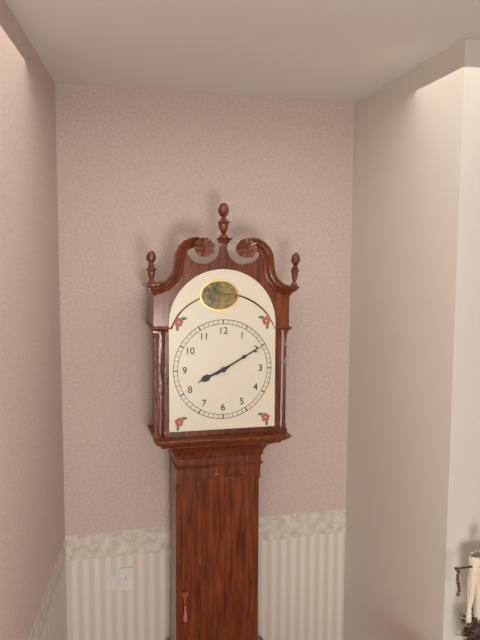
8:10
